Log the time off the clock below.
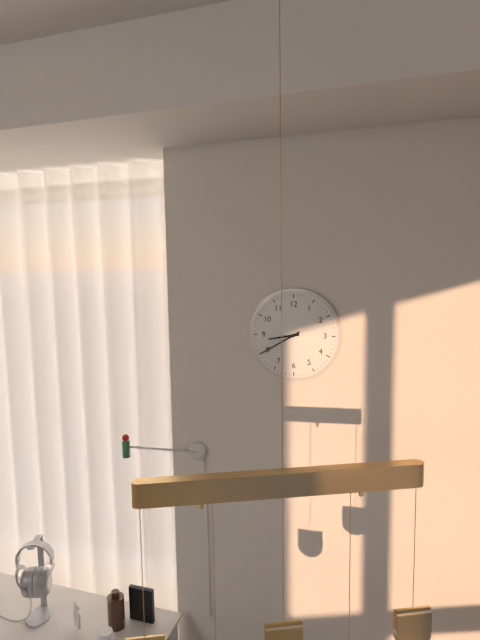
8:40
